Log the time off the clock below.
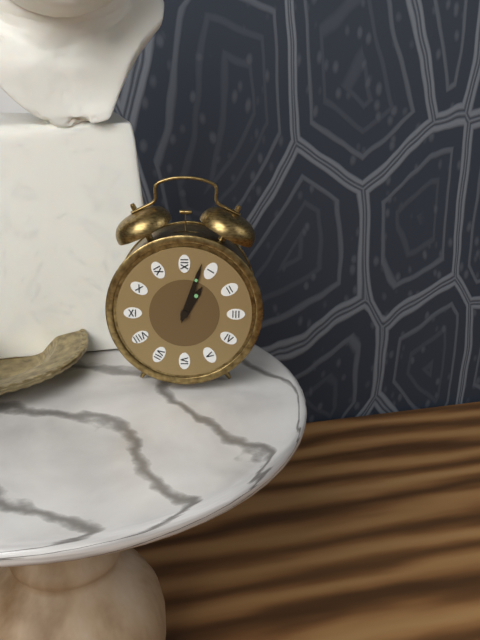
1:03
